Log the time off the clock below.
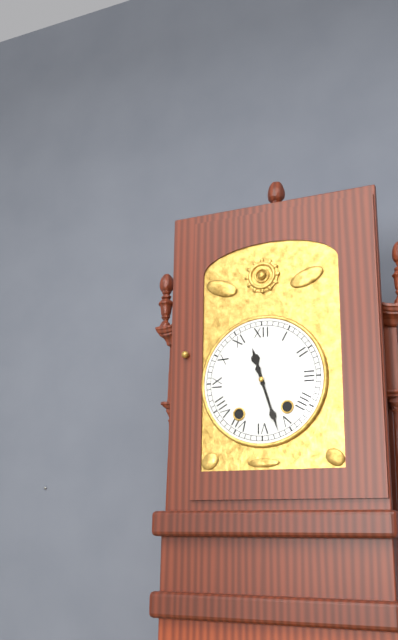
11:27
